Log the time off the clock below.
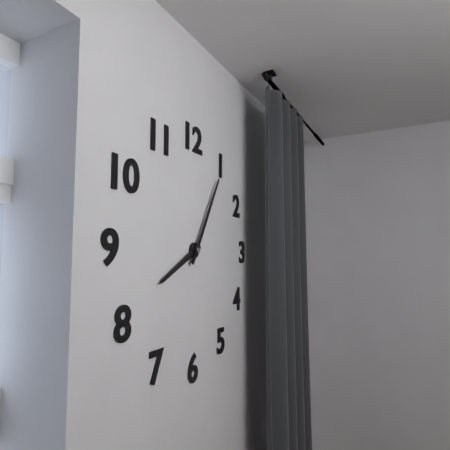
8:05
